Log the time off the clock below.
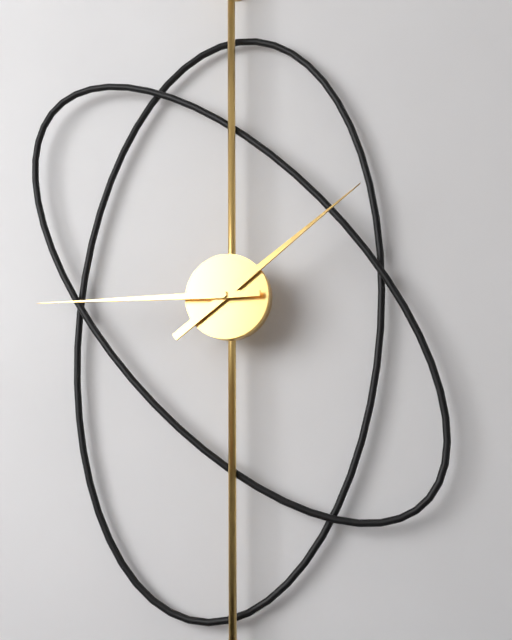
1:45
